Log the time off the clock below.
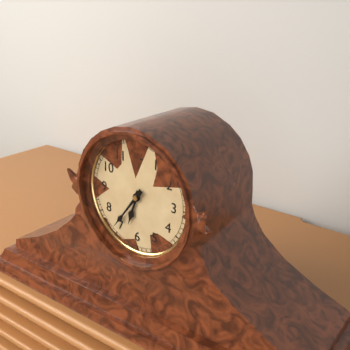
6:36
